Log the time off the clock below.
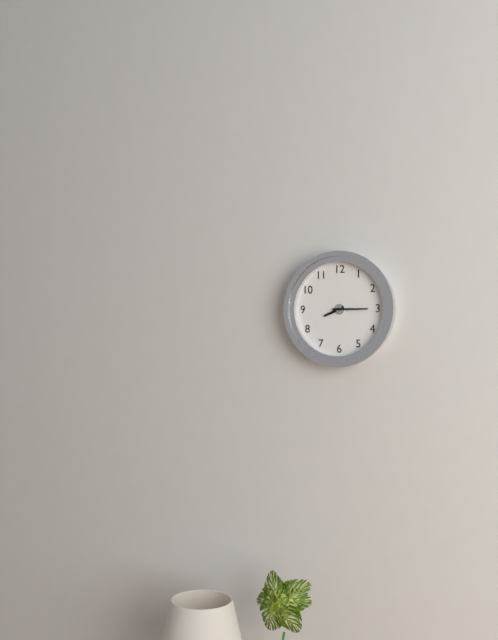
8:15
